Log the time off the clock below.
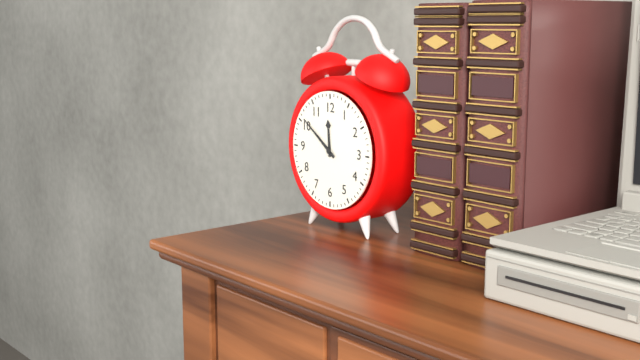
11:51
